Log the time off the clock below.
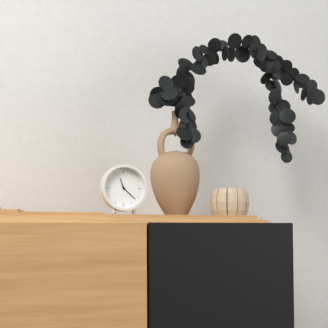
11:22
